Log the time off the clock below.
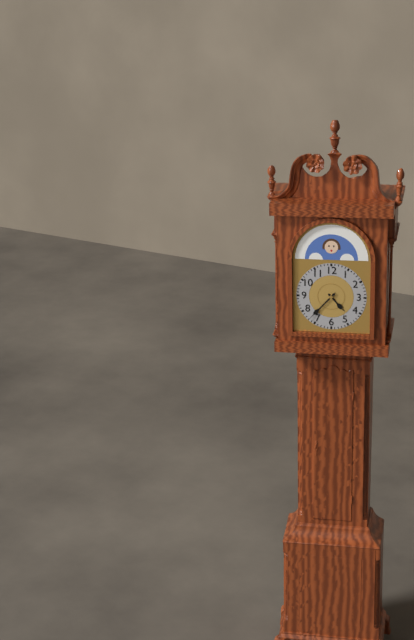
4:37
